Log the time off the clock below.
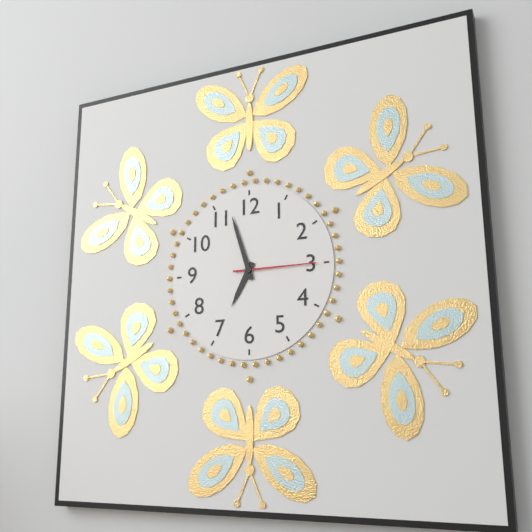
6:57:15
